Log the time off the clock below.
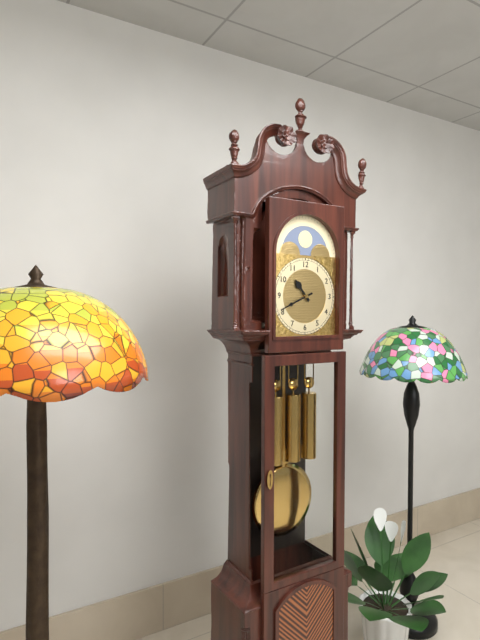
10:41
